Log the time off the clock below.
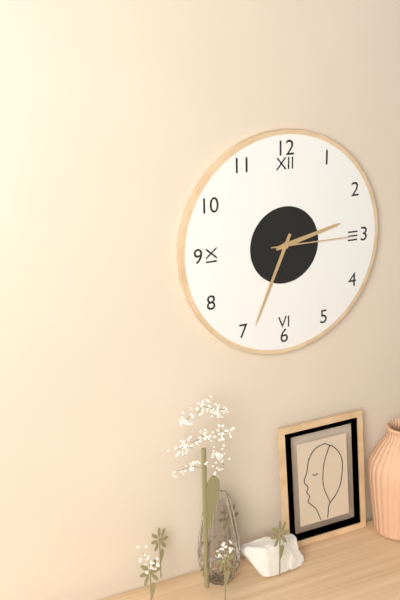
2:34:15
